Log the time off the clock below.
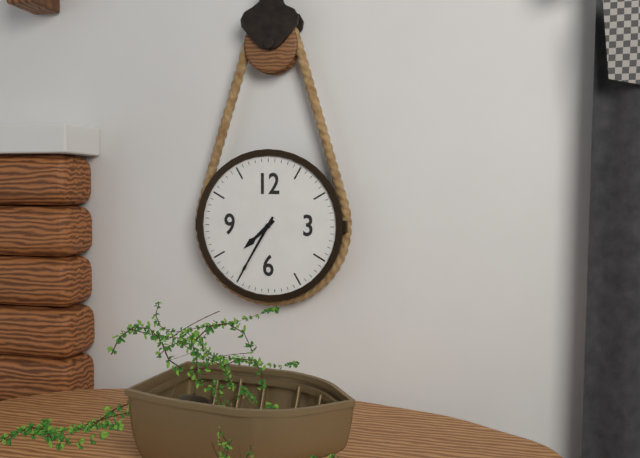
7:35
